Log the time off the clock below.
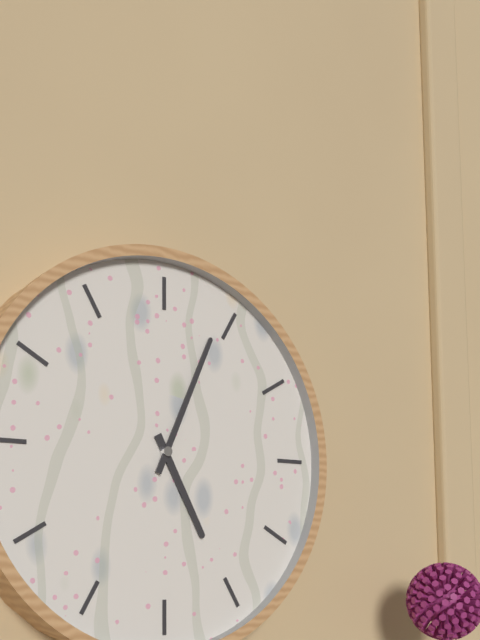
5:04
